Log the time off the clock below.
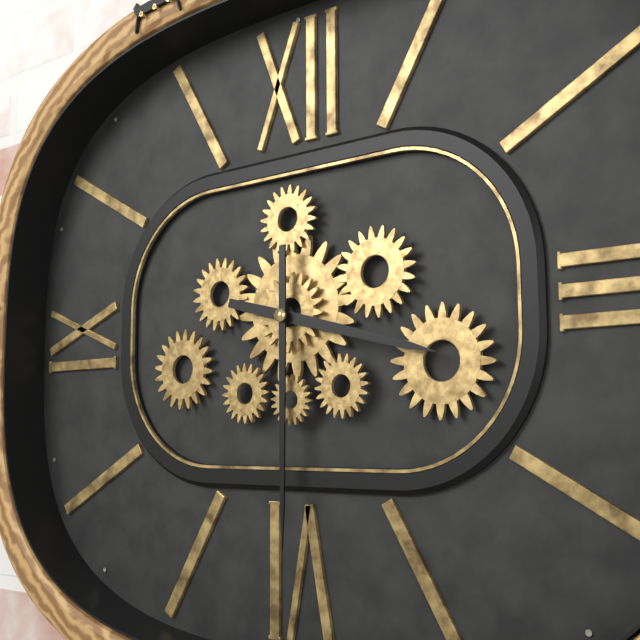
3:30
